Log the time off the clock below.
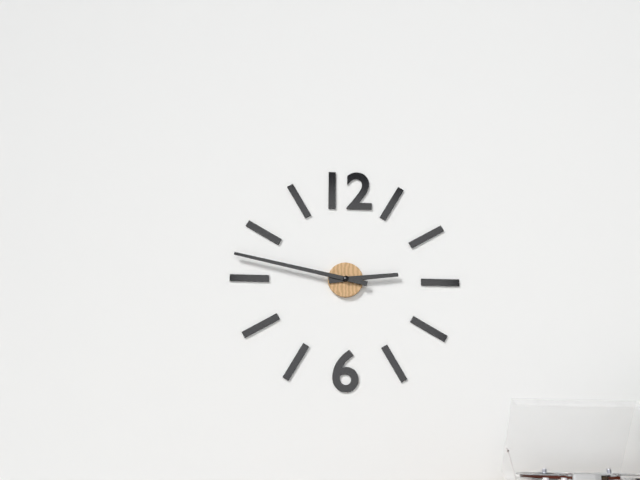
2:47
